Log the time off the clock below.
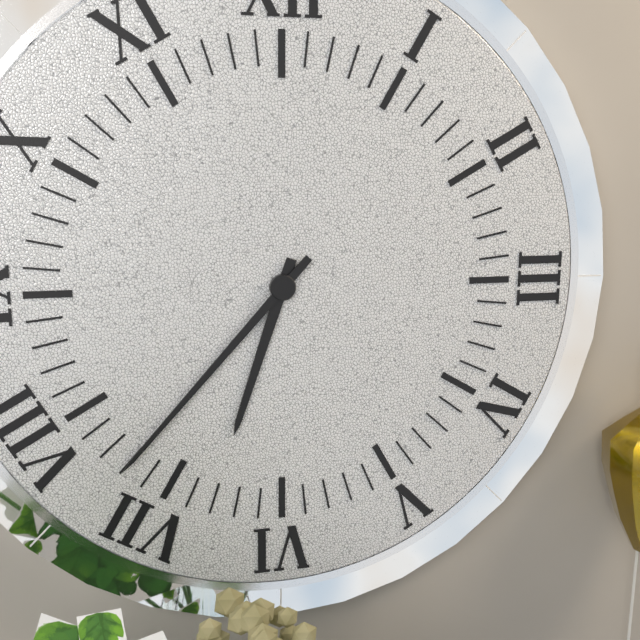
6:37
